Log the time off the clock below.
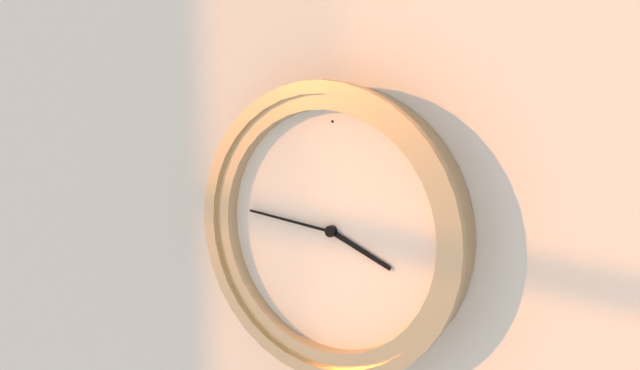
3:46
